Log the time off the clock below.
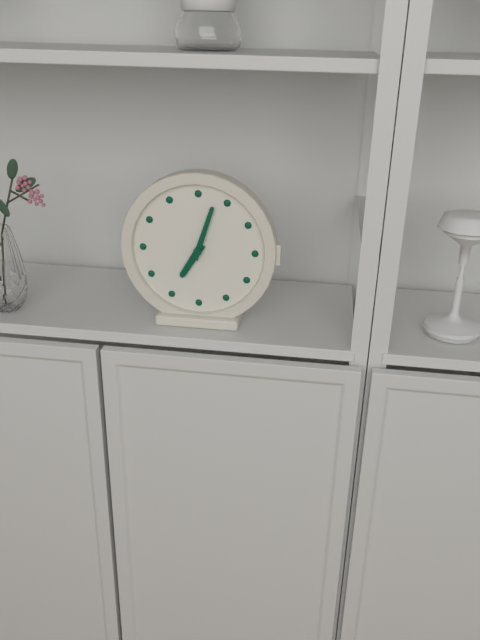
7:03
